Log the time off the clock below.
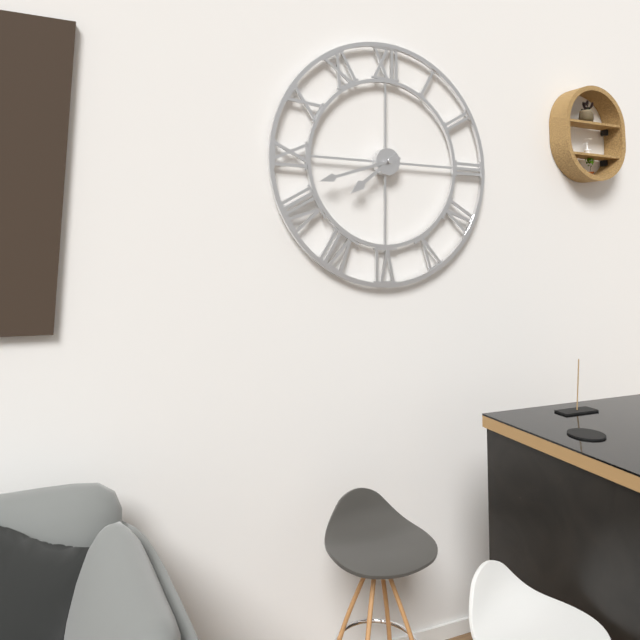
7:42
